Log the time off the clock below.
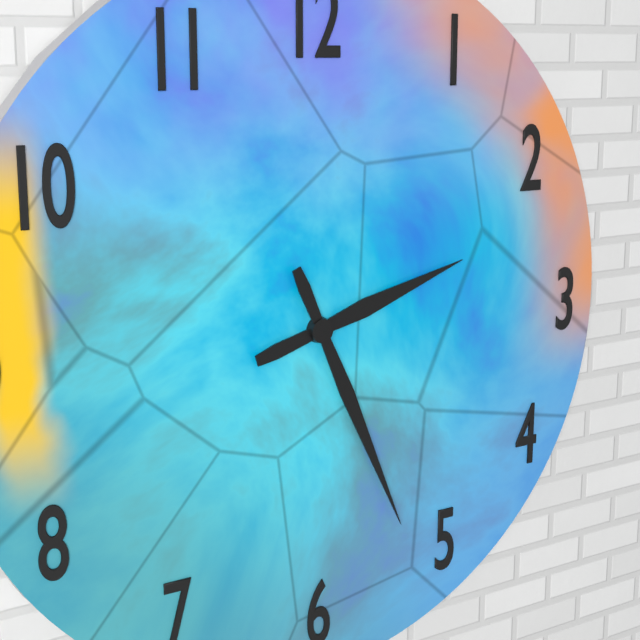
2:26
